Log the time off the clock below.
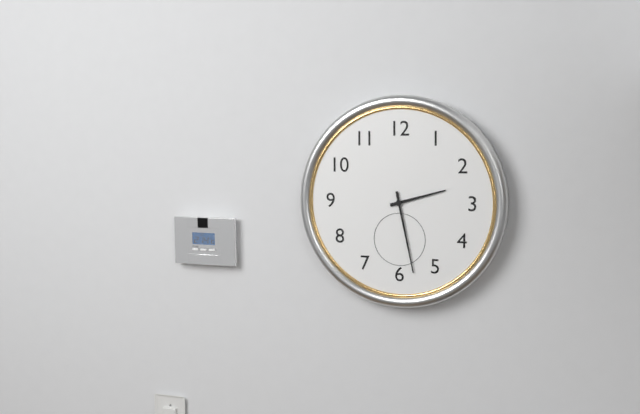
2:28
